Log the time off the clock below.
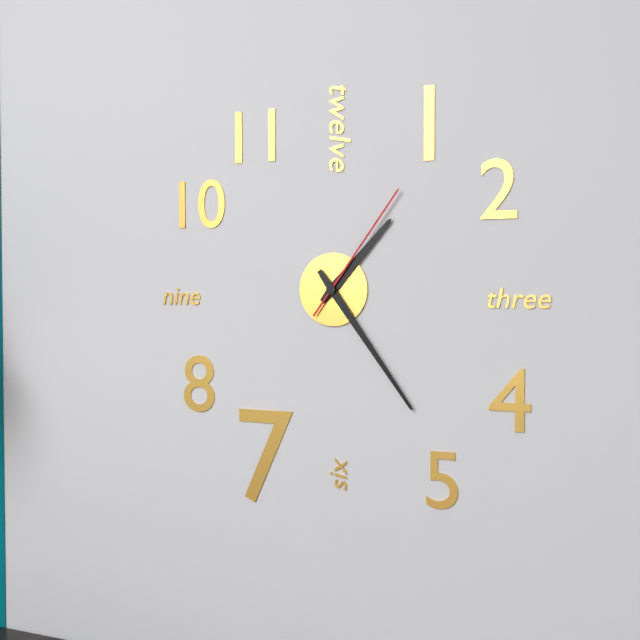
1:24:06
